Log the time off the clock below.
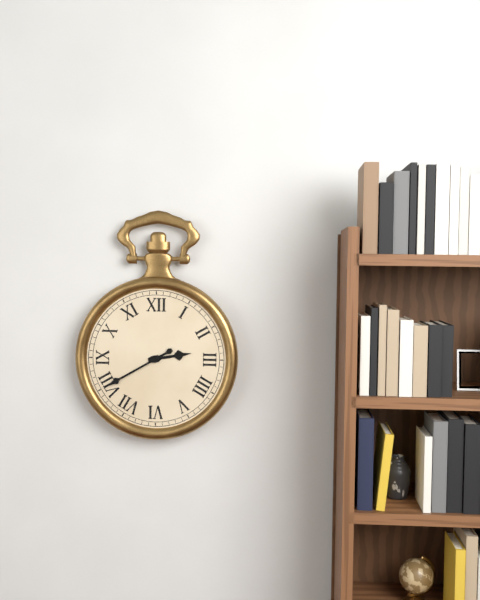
2:40
